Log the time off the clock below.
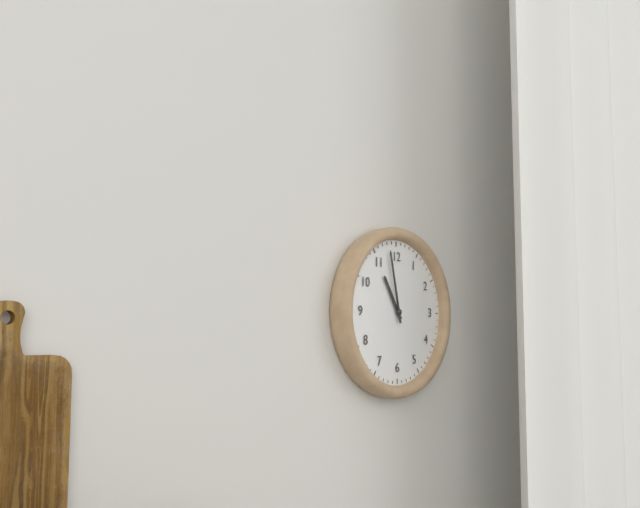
10:58
